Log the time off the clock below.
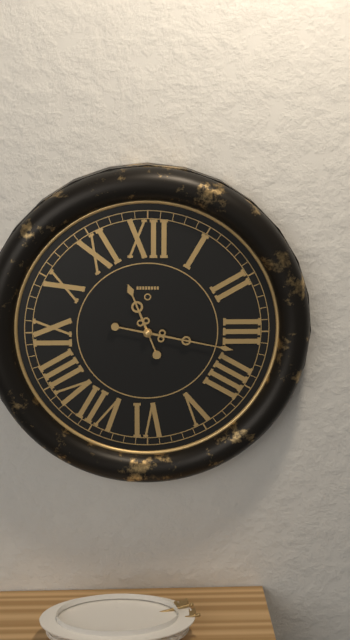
11:17
